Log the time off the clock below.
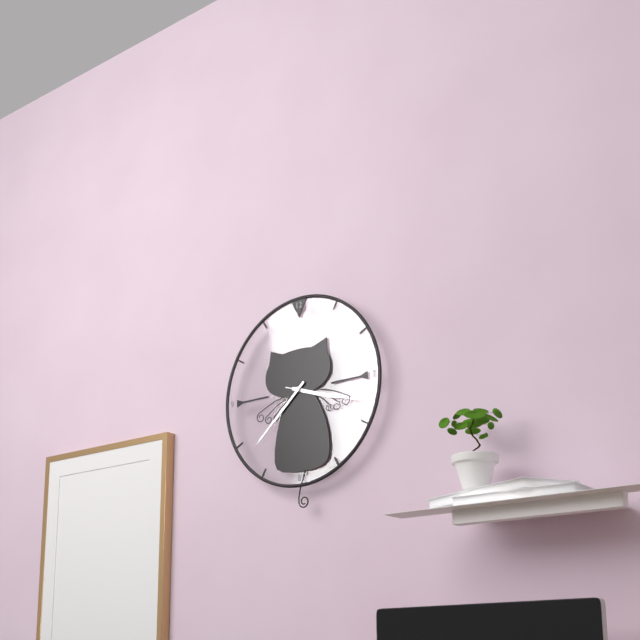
3:38:18
